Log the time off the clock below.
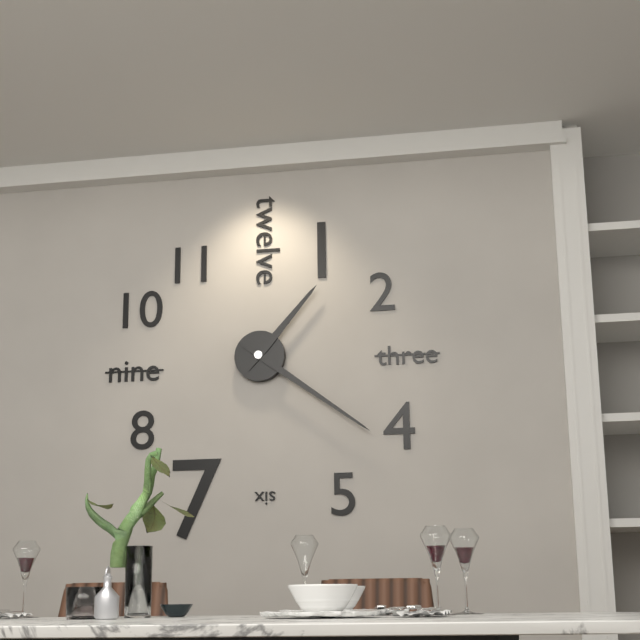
1:21
